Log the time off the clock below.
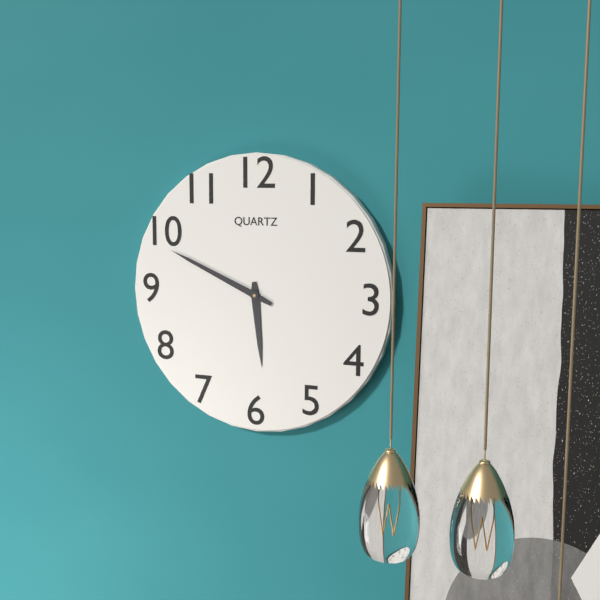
5:49
